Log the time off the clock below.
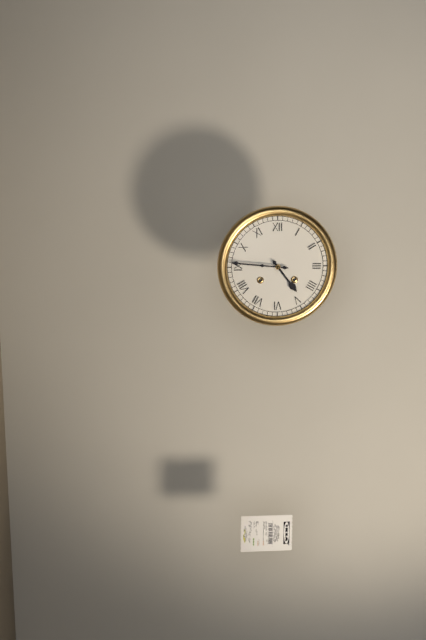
4:46
